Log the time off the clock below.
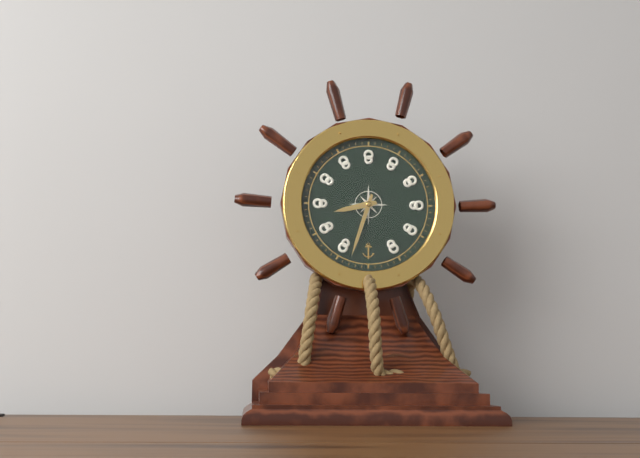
8:33
